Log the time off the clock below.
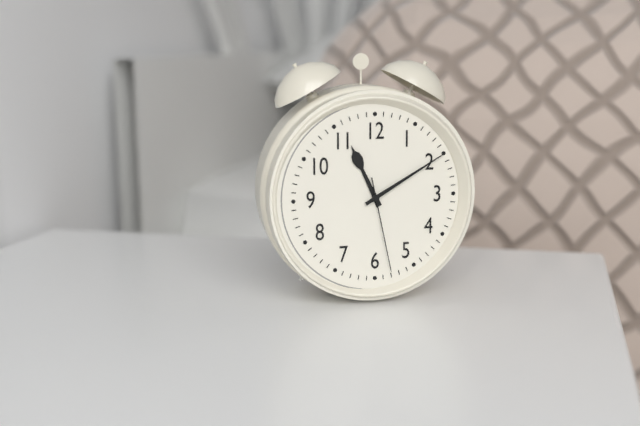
11:10:28
